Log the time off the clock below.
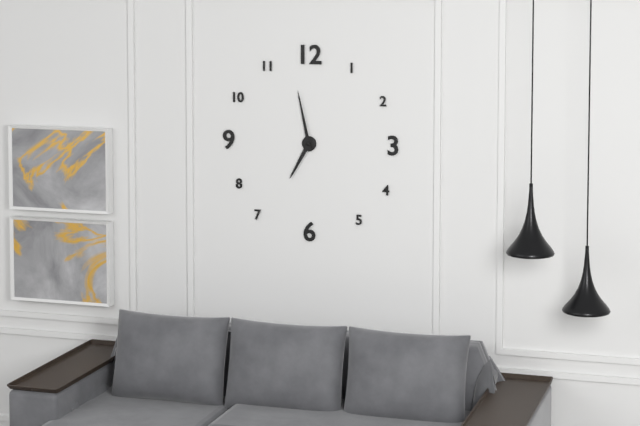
6:58
